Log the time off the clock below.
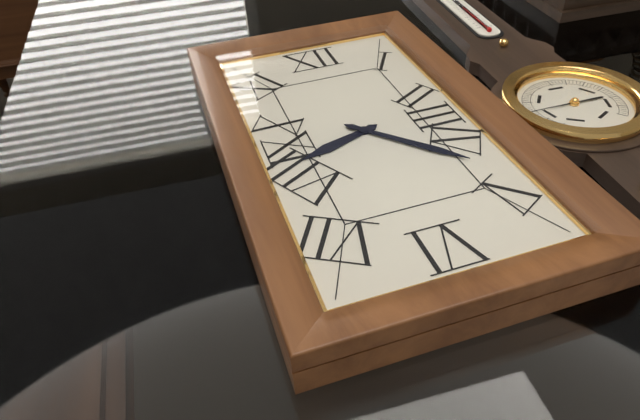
8:23
